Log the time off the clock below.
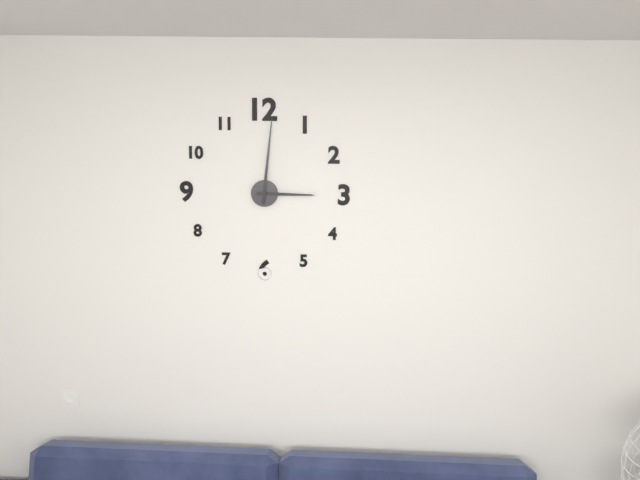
3:01
